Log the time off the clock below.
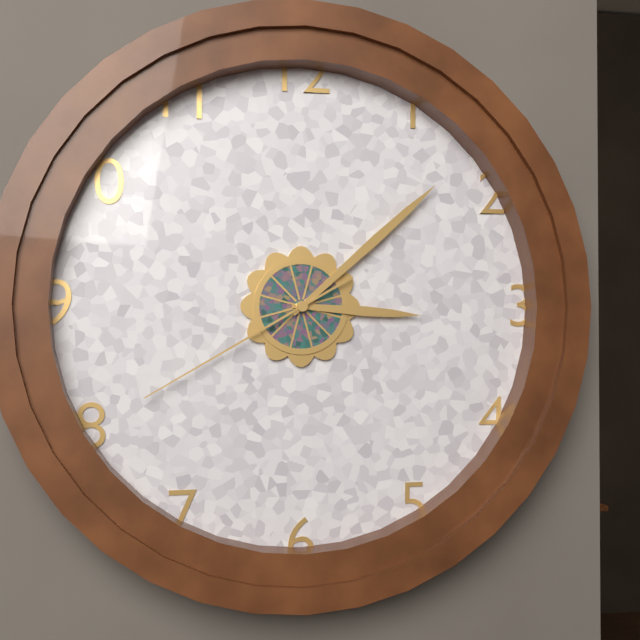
3:08:40
